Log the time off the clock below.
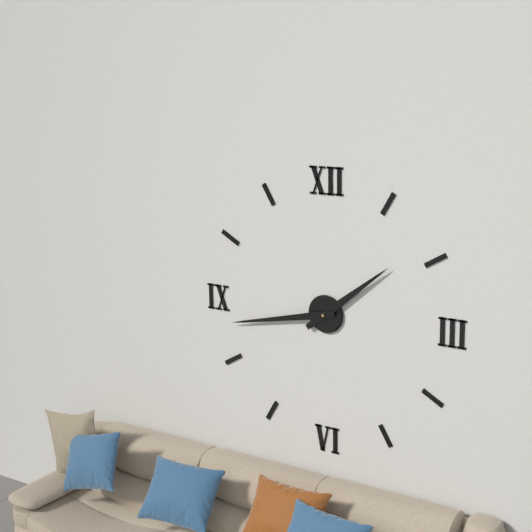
1:43
